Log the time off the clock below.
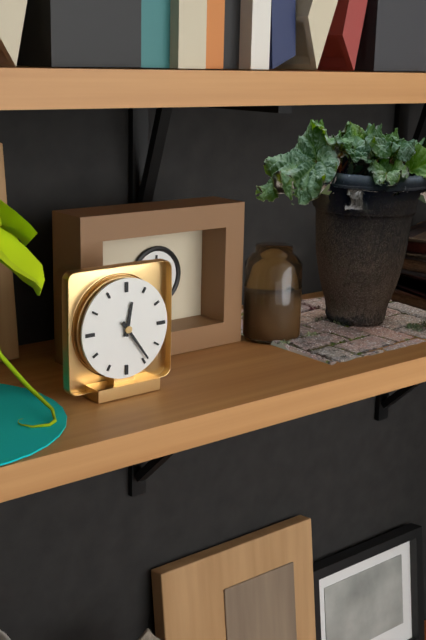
12:24
